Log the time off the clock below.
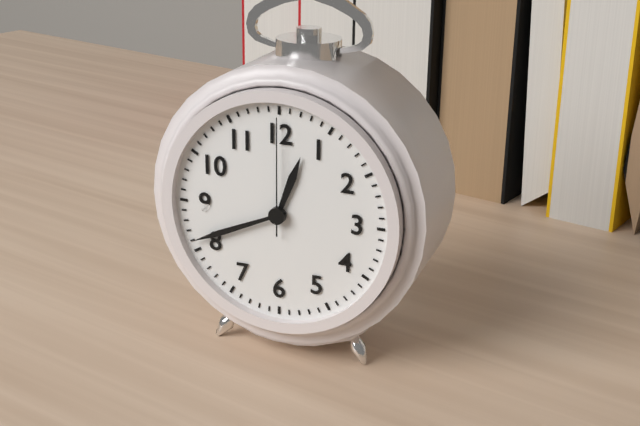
12:41:00
